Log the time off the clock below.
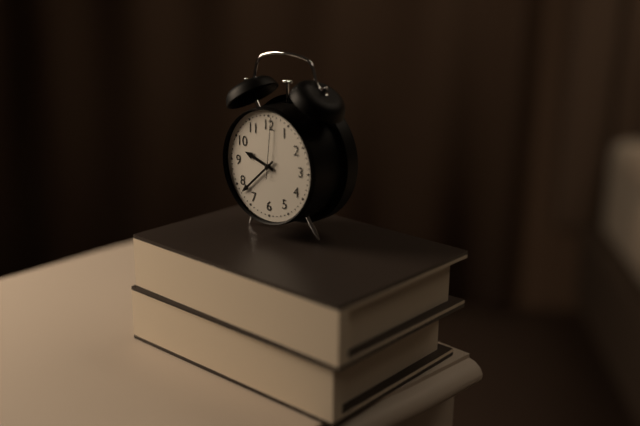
9:38:01
